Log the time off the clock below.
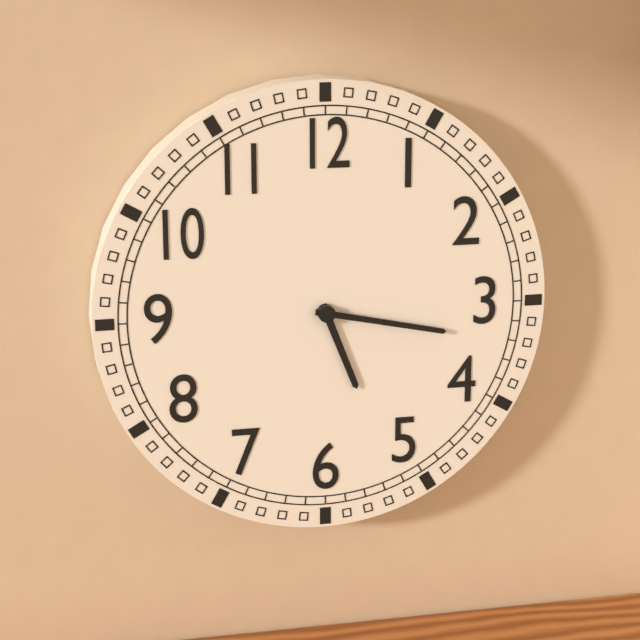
5:17
